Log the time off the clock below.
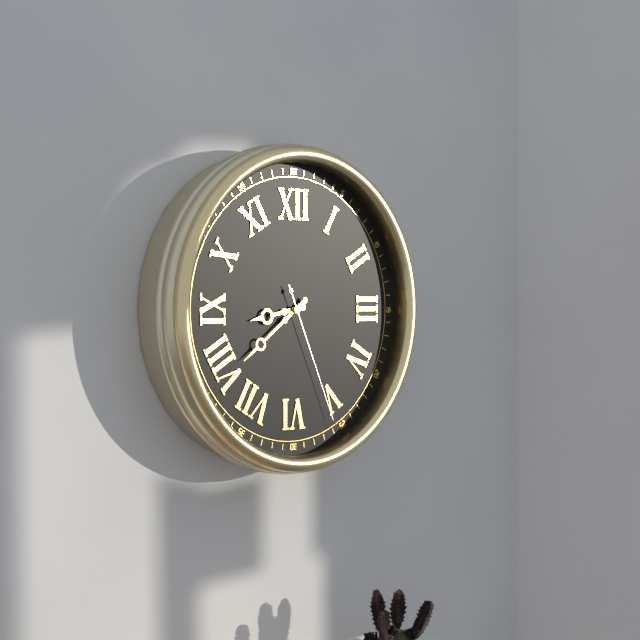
8:39:26
